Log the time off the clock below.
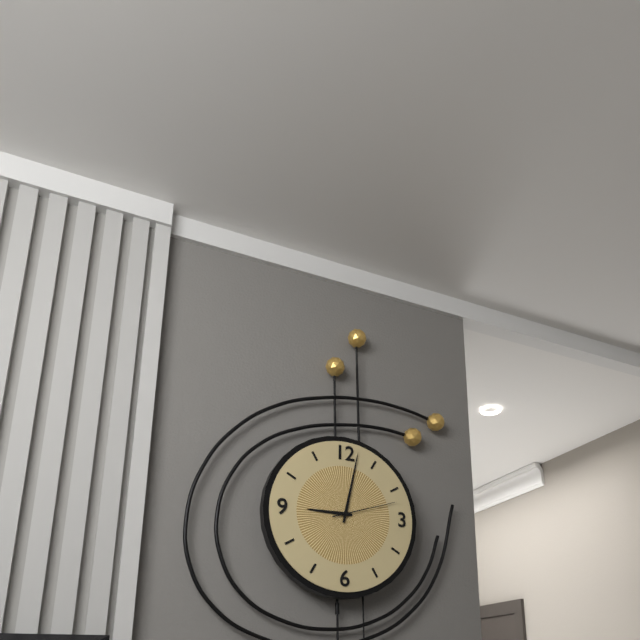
9:02:12
